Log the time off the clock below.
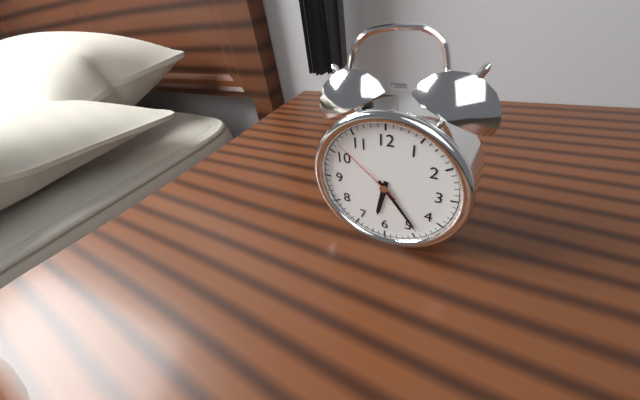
6:24:52
